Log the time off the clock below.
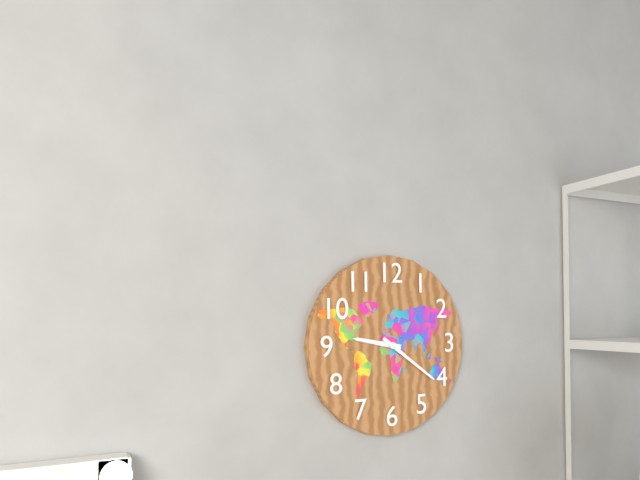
9:21
